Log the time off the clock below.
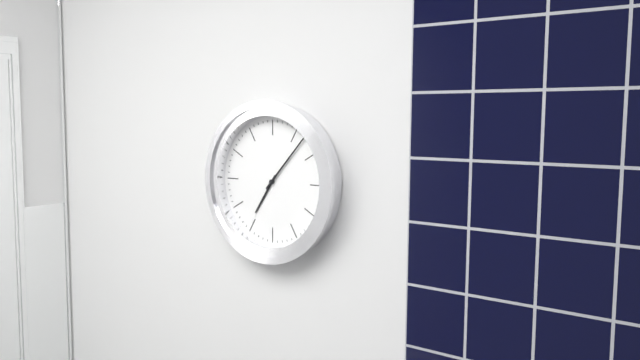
7:07
